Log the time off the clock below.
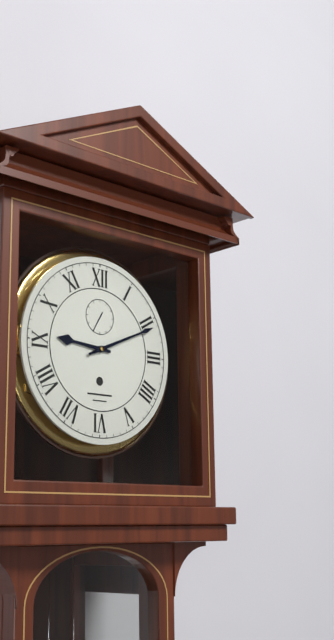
9:11
